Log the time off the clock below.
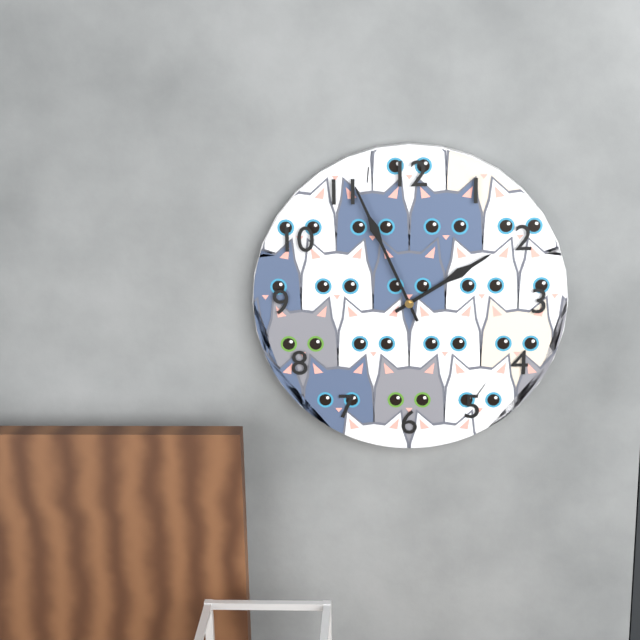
1:56
